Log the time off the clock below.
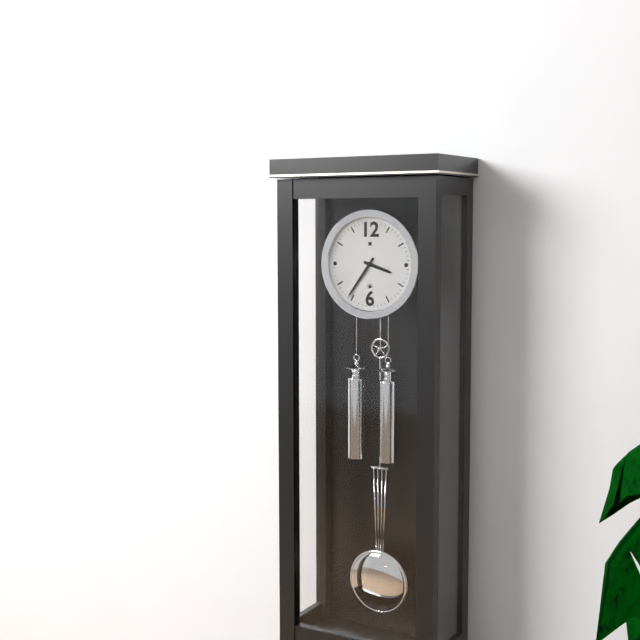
3:36
